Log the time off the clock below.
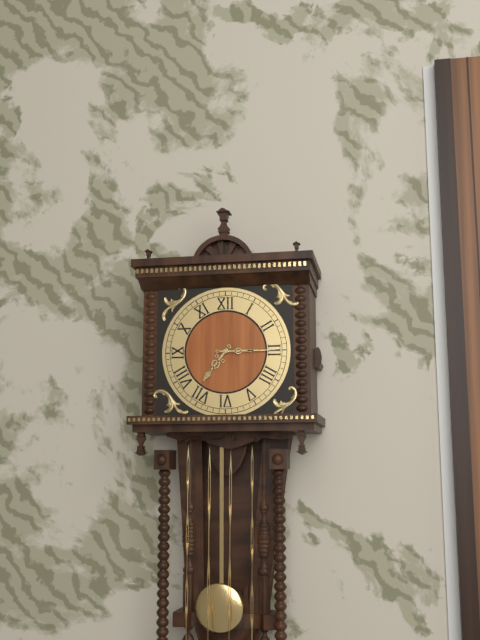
7:15
